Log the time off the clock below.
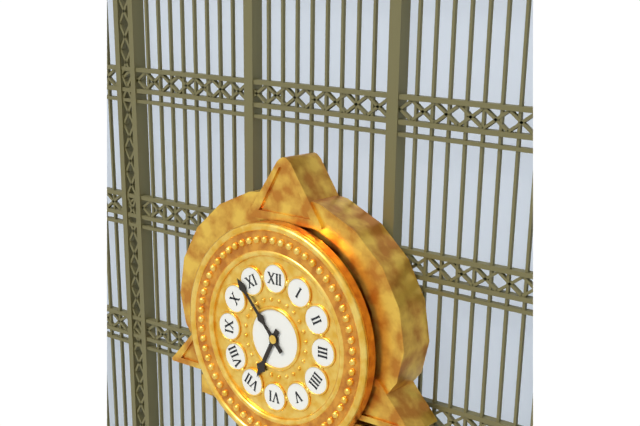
6:53
